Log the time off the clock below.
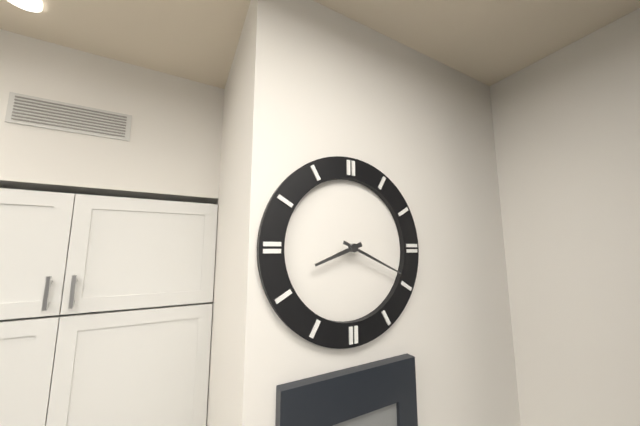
8:19
